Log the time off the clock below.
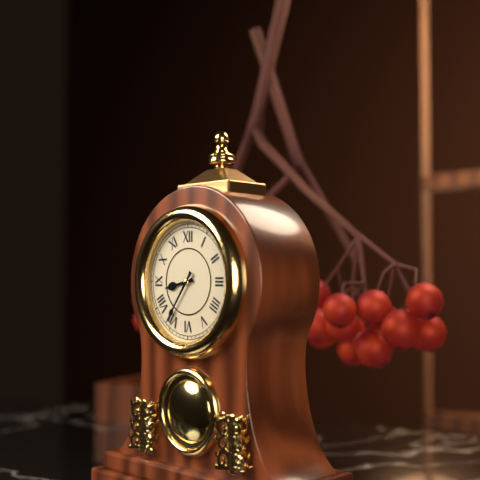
8:36
